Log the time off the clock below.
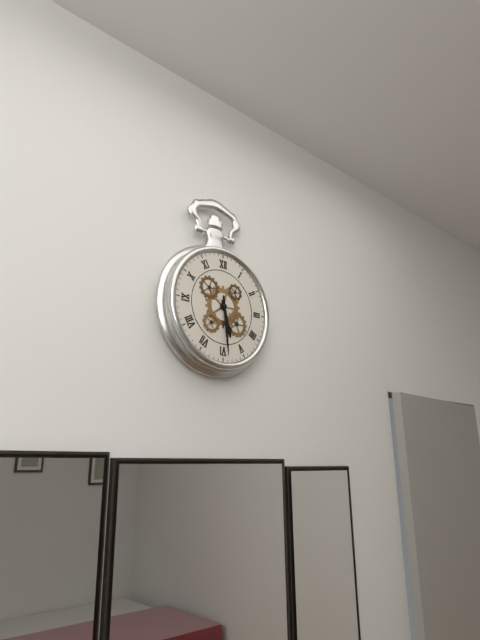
5:29
